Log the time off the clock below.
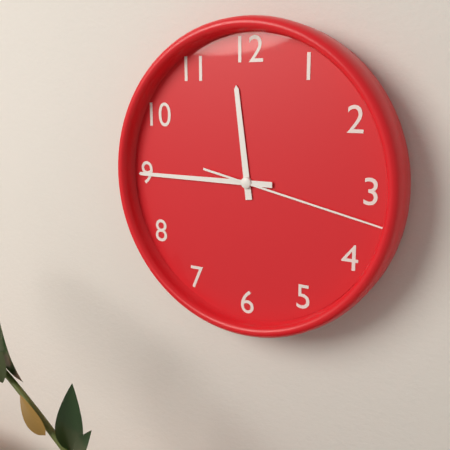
11:45:17
